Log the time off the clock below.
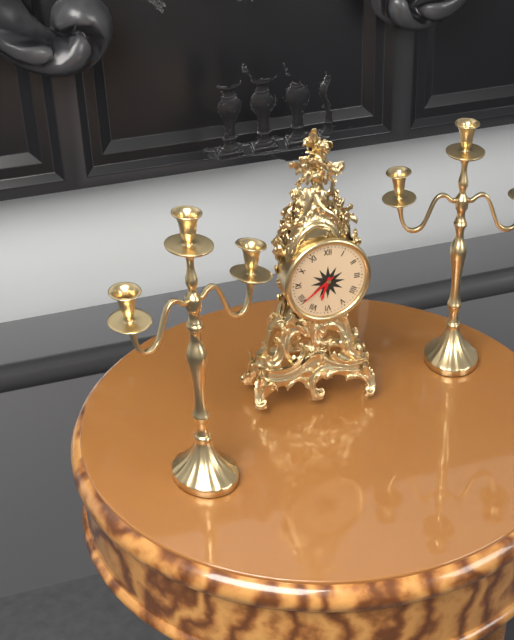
6:39
